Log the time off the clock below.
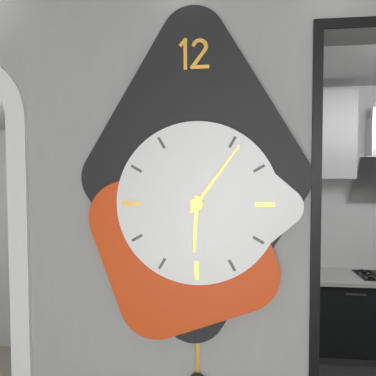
6:06
